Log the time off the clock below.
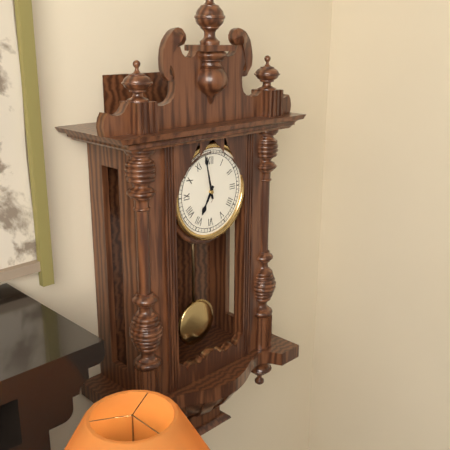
6:58
